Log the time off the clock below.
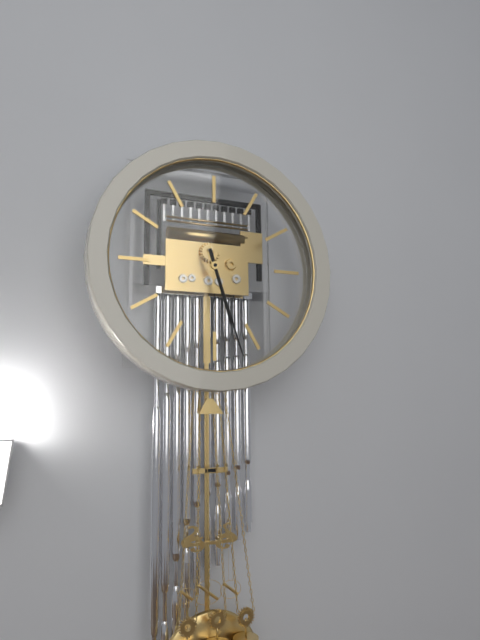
5:27
